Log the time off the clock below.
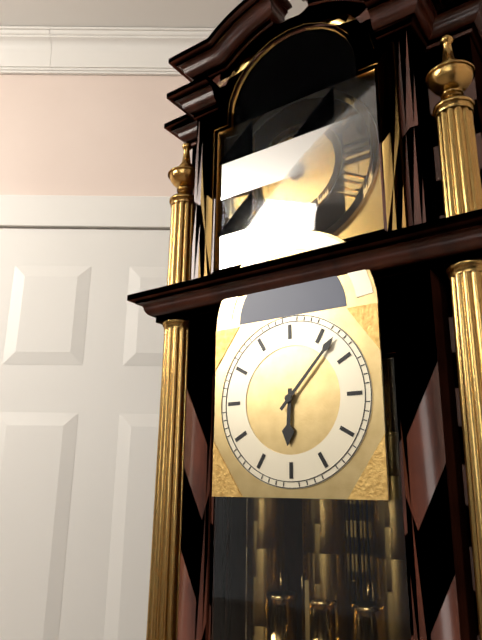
6:07
